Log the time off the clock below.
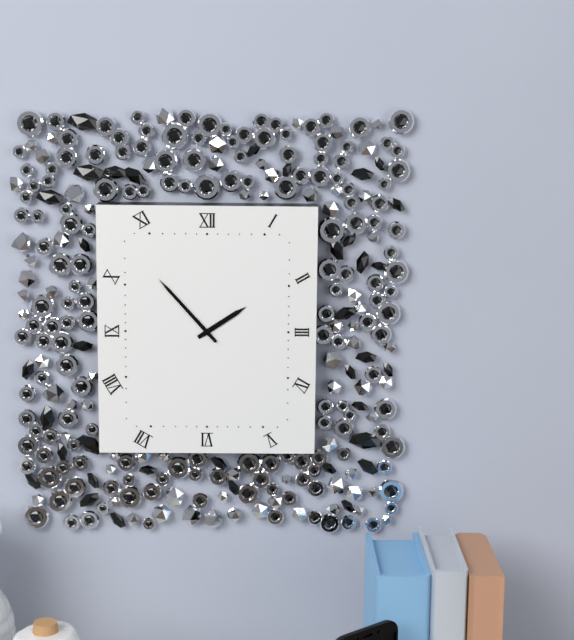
1:53
